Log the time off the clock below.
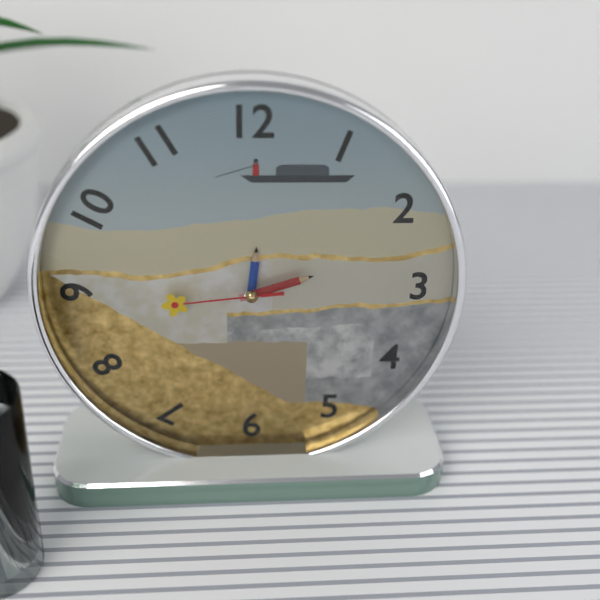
12:12:44
